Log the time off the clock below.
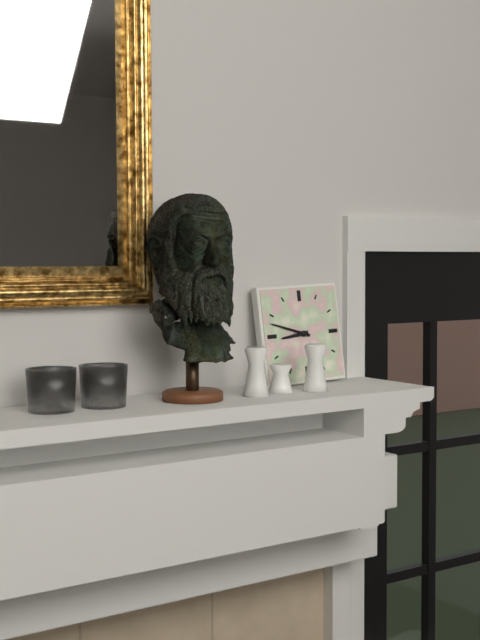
8:48
